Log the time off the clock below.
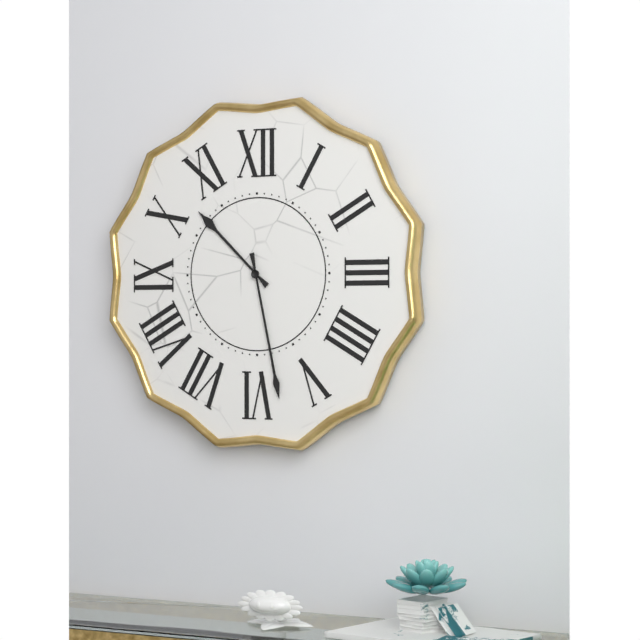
10:28
